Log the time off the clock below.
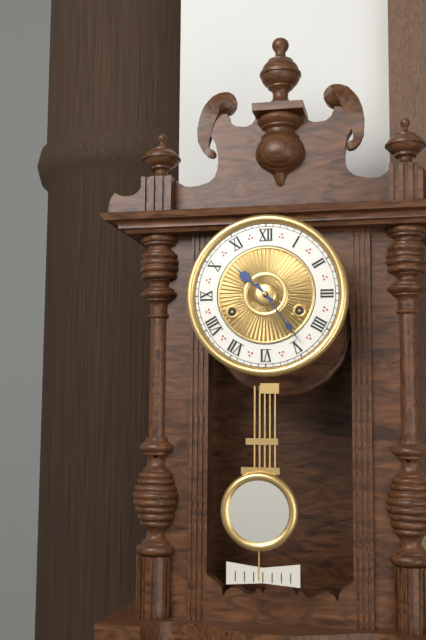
10:24
